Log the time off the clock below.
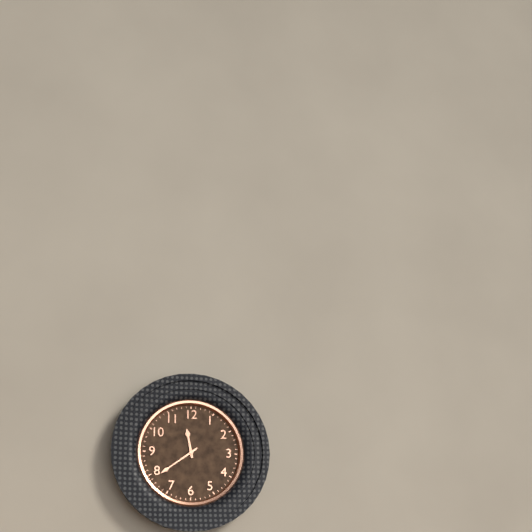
11:39
